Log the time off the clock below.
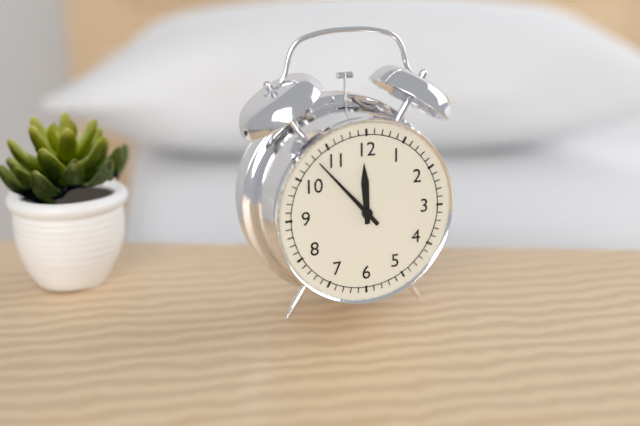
11:53
